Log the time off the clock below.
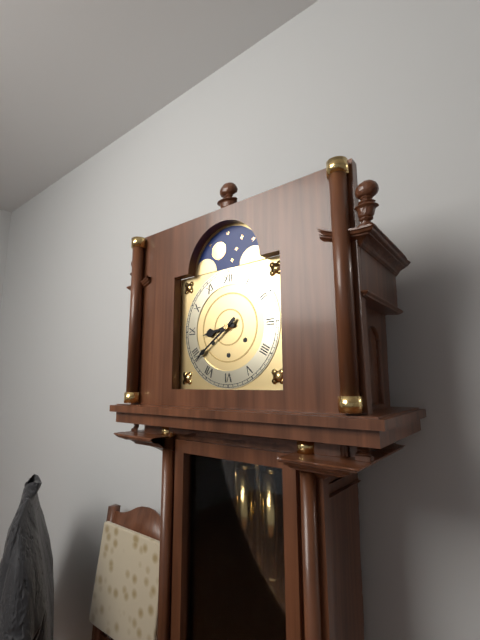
8:39
